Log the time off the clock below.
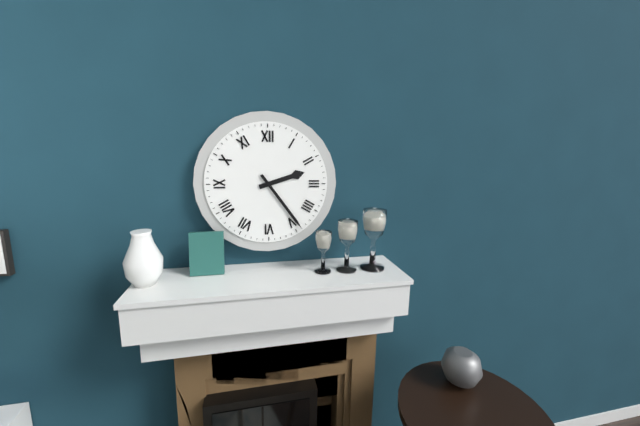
2:24
